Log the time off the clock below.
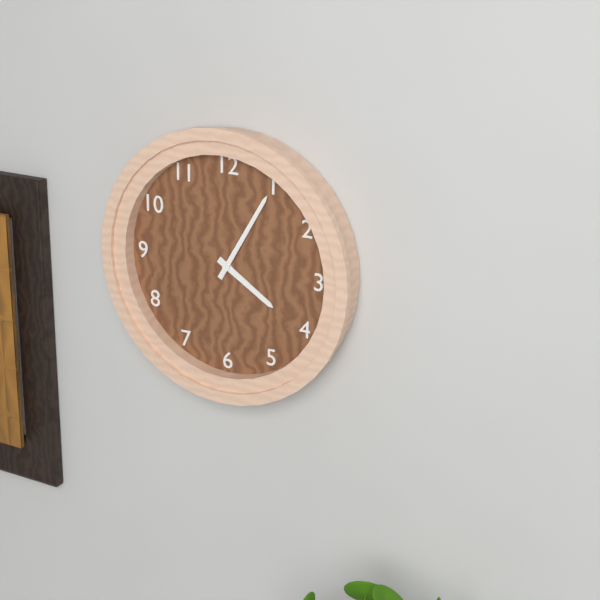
4:05
